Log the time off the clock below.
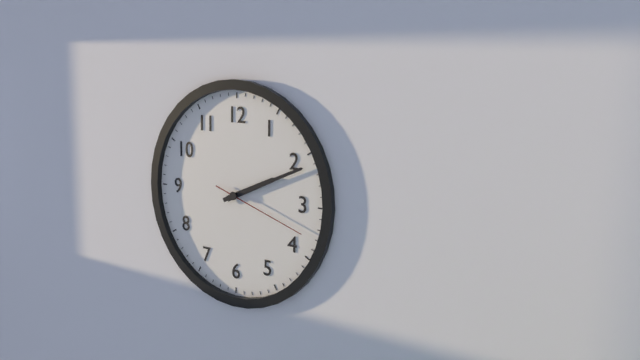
2:11:18
